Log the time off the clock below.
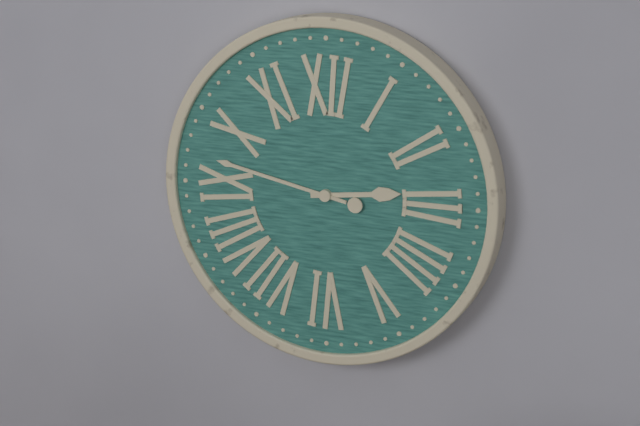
2:47
